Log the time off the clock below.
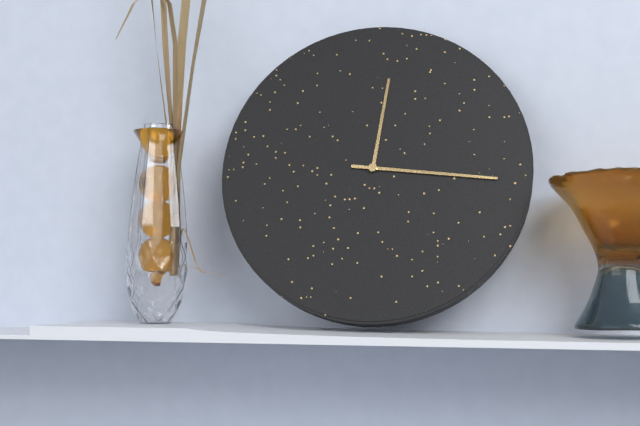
12:16
